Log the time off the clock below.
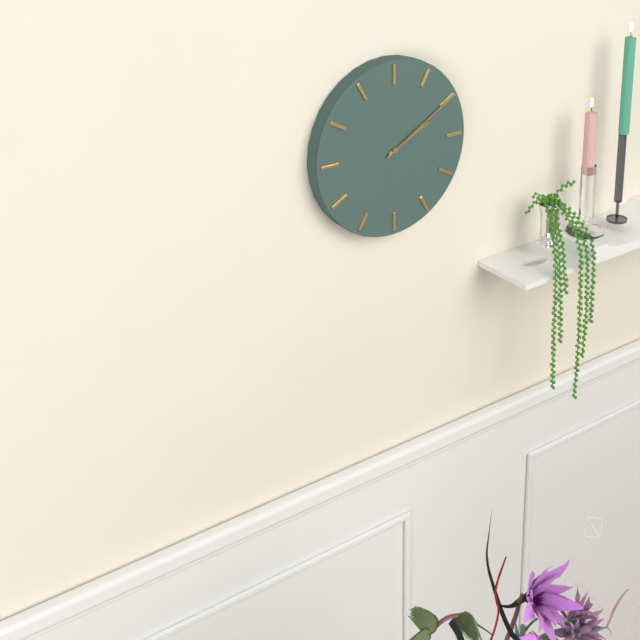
2:10
